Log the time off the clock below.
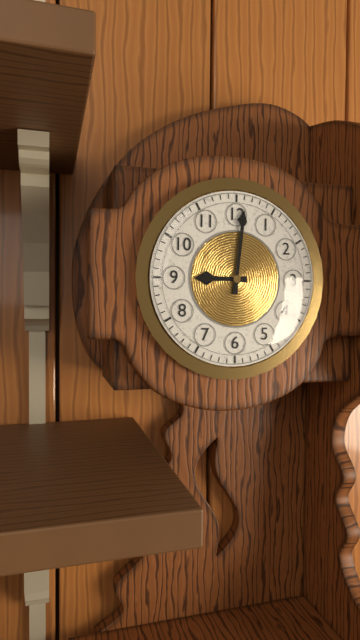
9:01
